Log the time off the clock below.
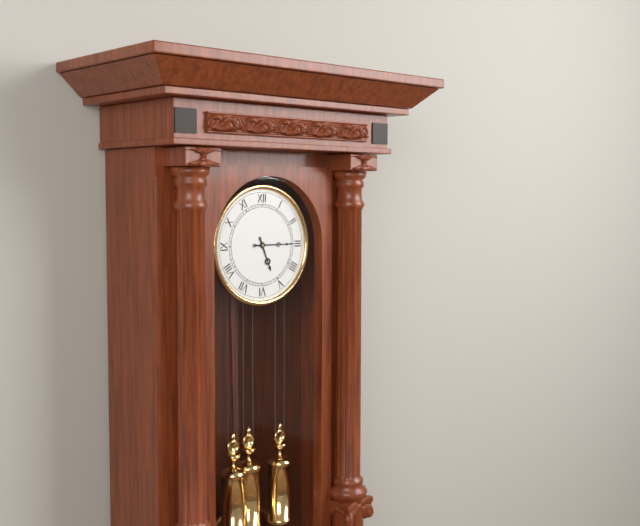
5:15
